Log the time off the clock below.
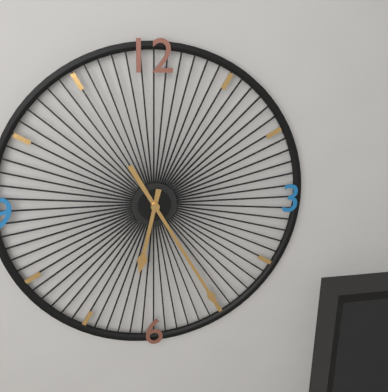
6:25
